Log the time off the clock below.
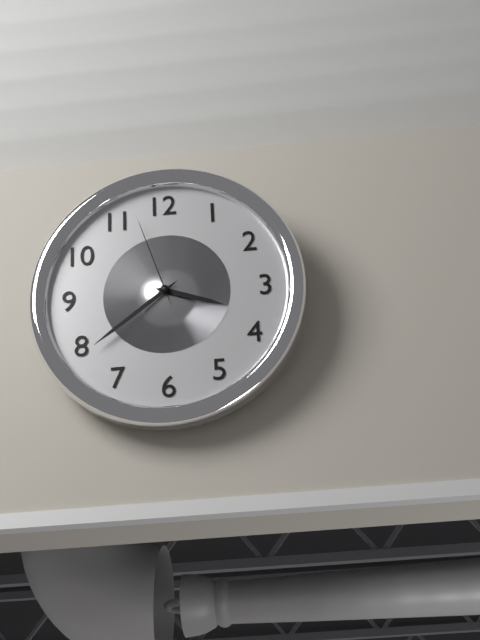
3:39:57
